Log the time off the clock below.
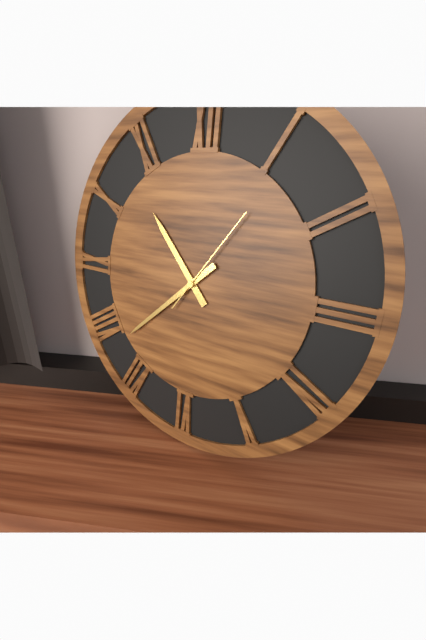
10:38:06
